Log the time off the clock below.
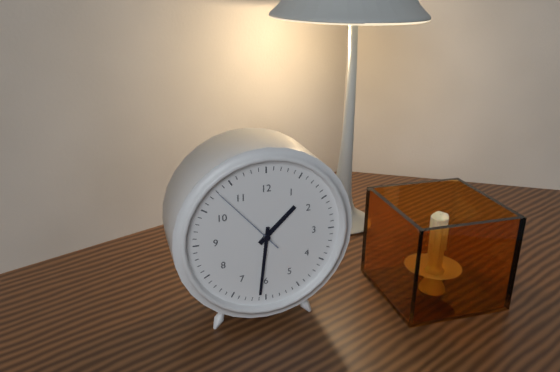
1:31:53
